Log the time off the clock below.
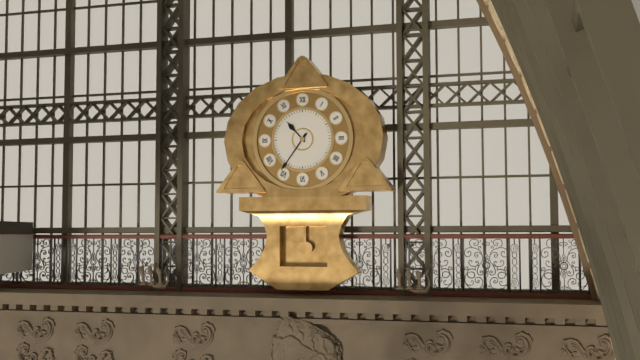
10:36
